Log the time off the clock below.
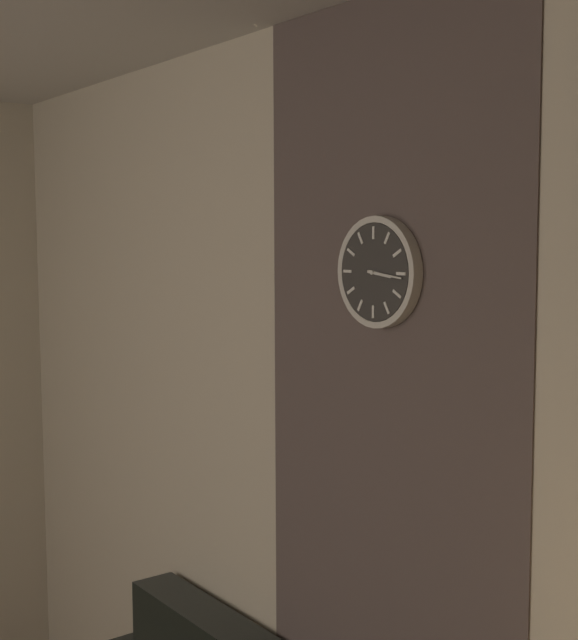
3:16
